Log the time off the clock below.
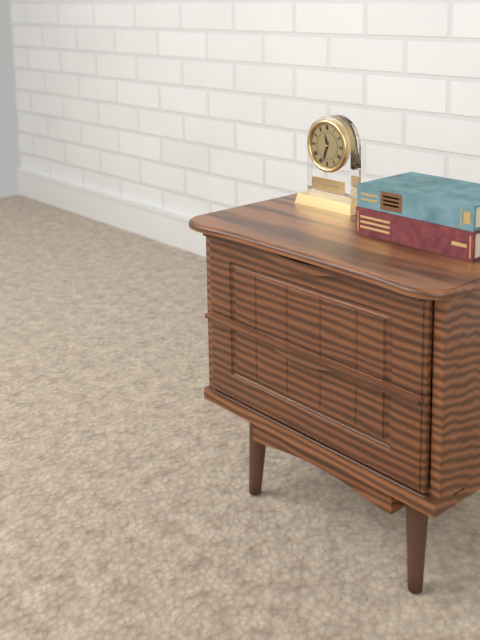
11:33
